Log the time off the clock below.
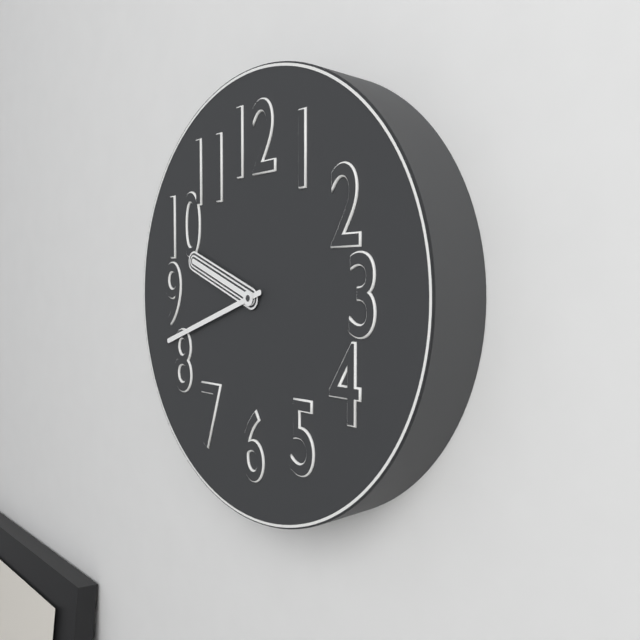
9:42
